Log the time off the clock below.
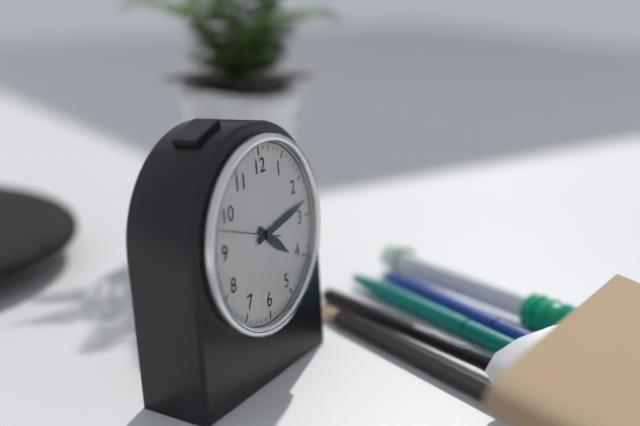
4:13:48
